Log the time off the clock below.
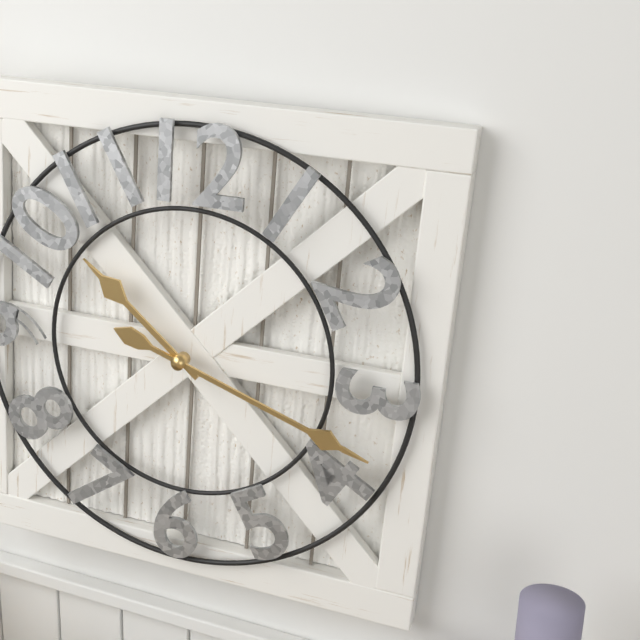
10:18
